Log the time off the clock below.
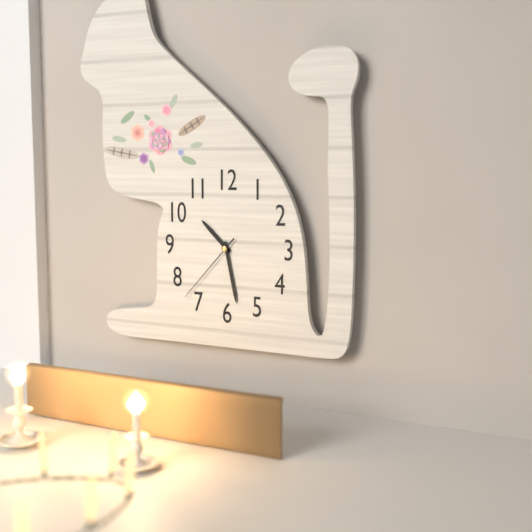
10:28:37
